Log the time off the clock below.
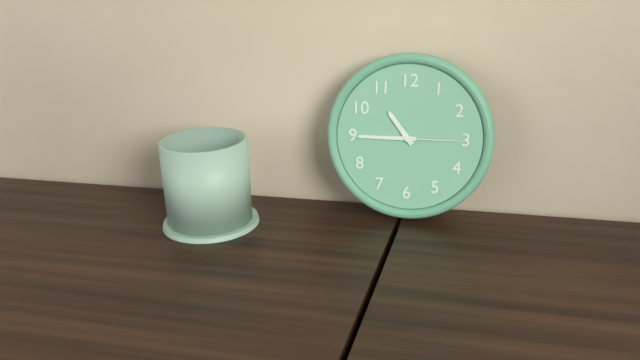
10:45:15
